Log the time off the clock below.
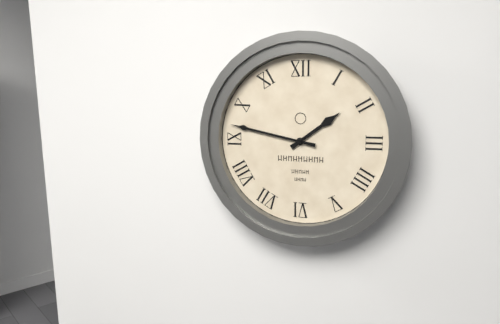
1:47
